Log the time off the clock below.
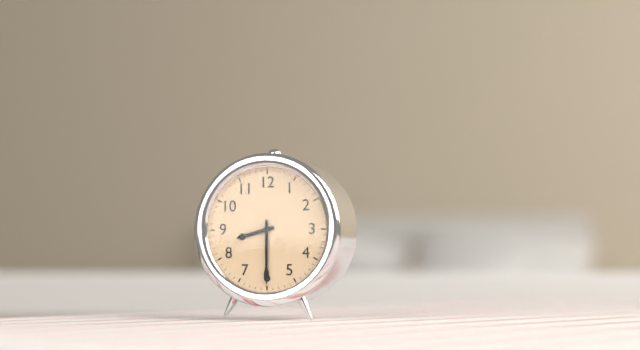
8:30
